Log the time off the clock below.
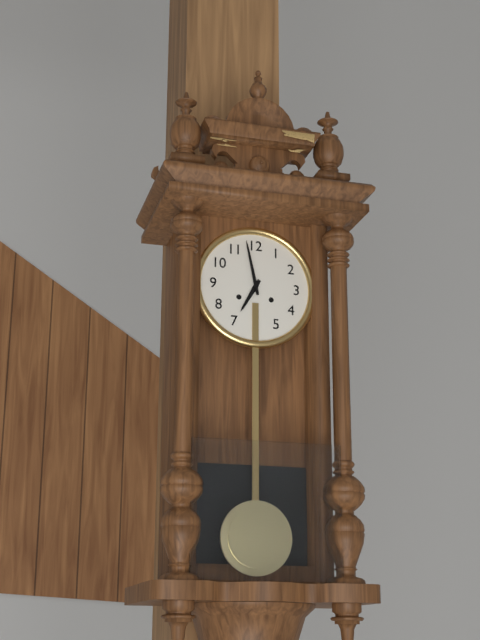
6:58
